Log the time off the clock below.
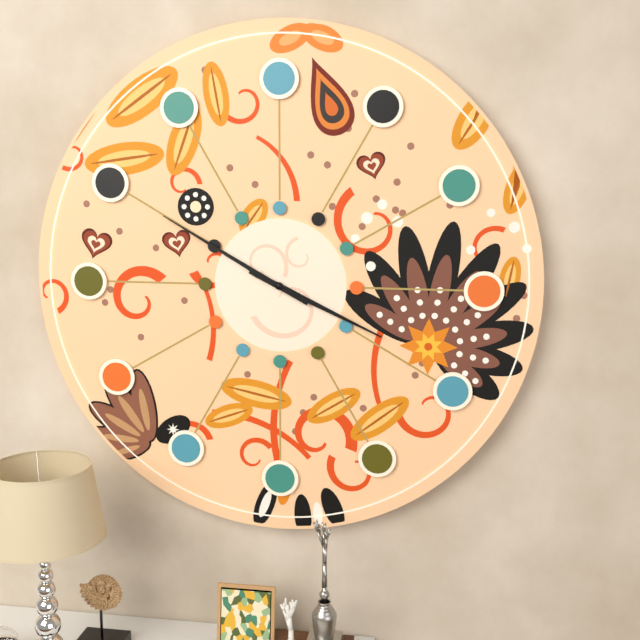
3:50
